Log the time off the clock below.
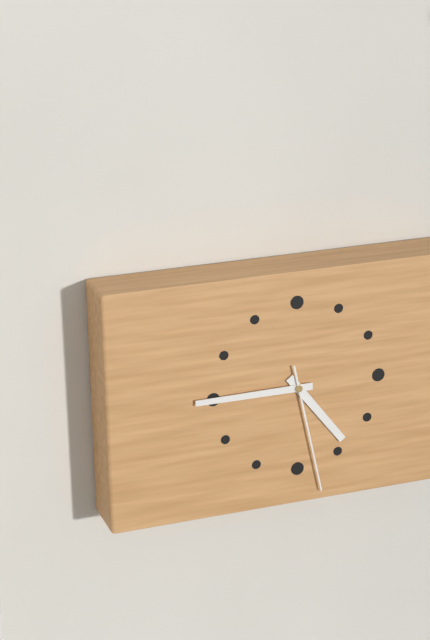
4:45:28
